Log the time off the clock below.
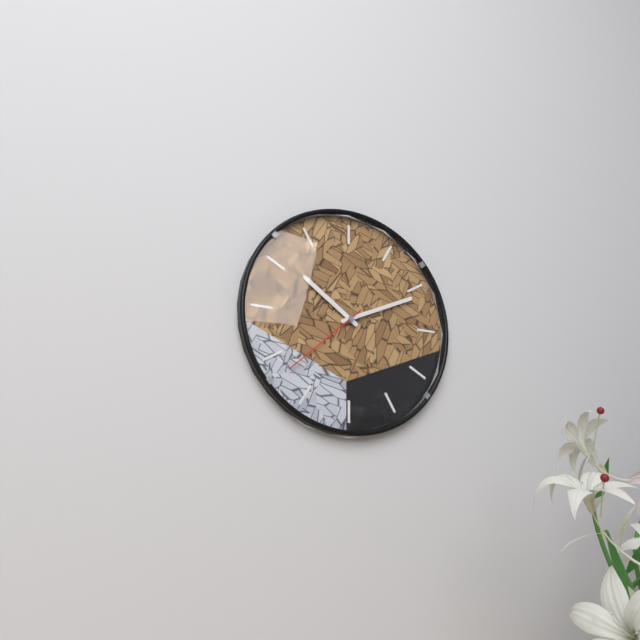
10:11:38
